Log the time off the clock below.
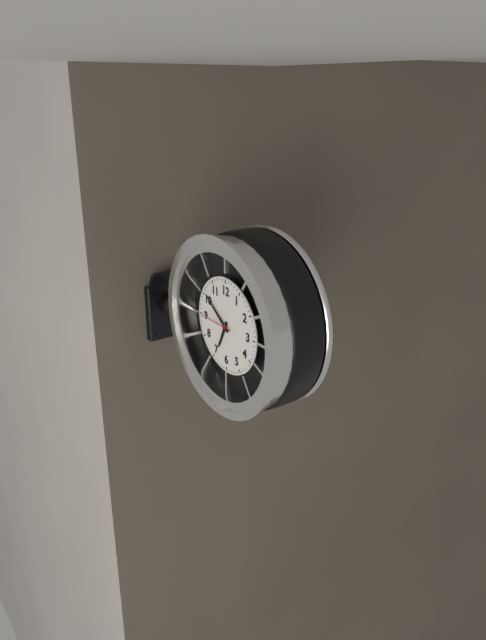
6:51:45
